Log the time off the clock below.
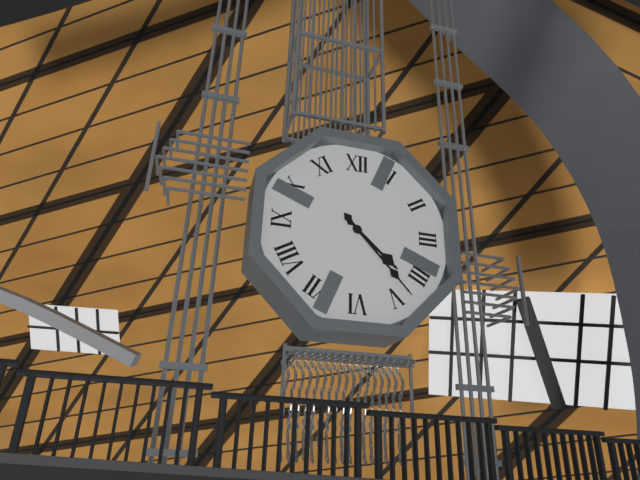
4:23
